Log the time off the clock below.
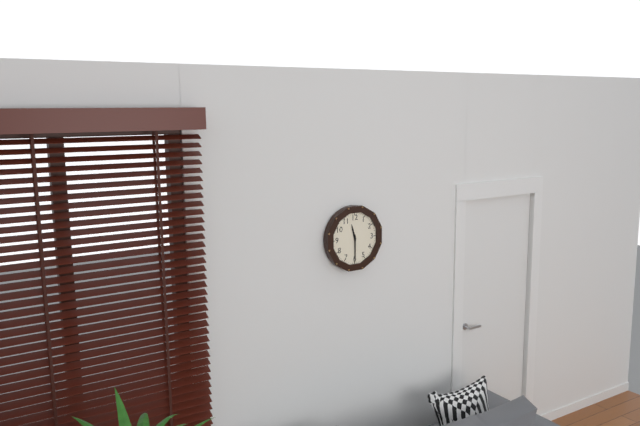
11:30
